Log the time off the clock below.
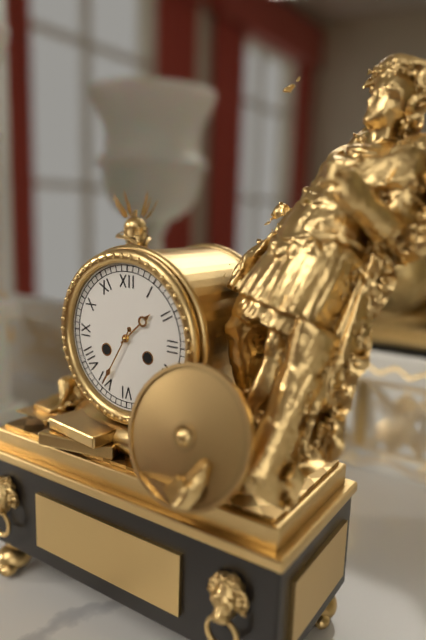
1:35
